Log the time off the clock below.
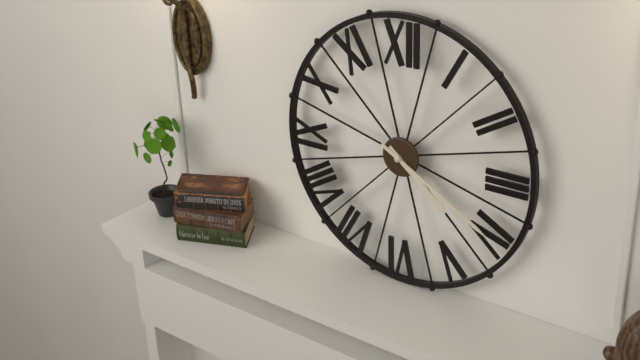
4:20
